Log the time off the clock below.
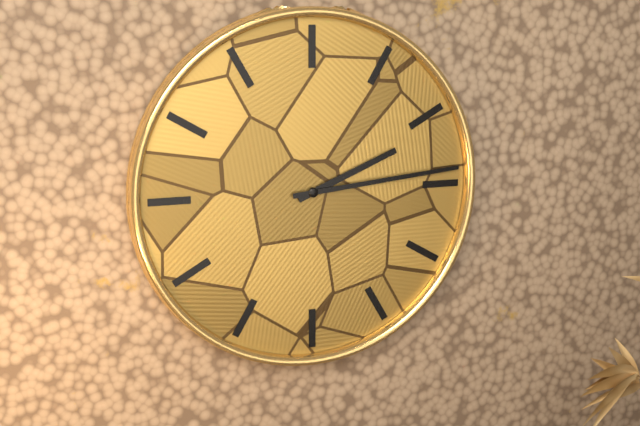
2:14
